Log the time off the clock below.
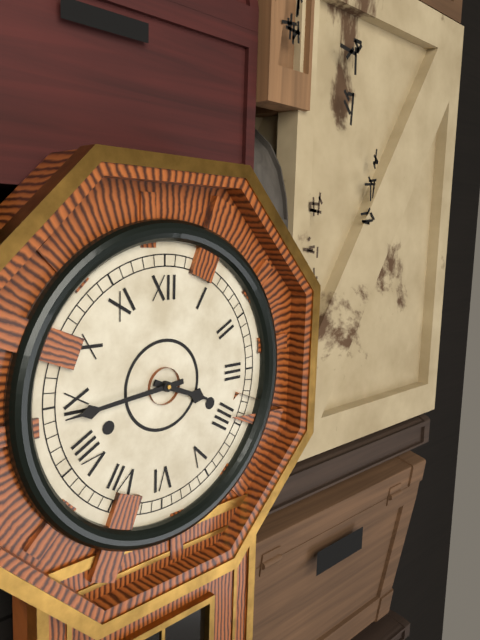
3:44
